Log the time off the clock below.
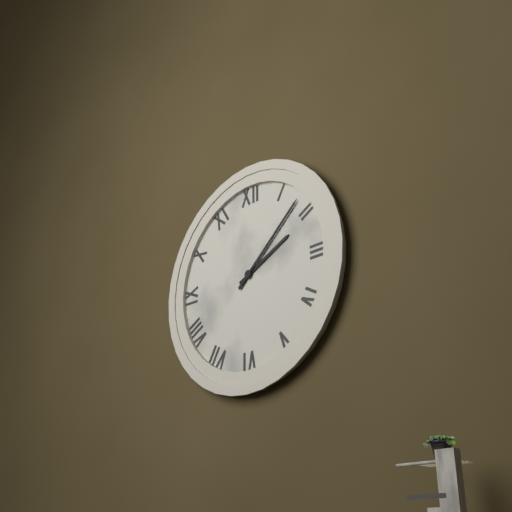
2:08
